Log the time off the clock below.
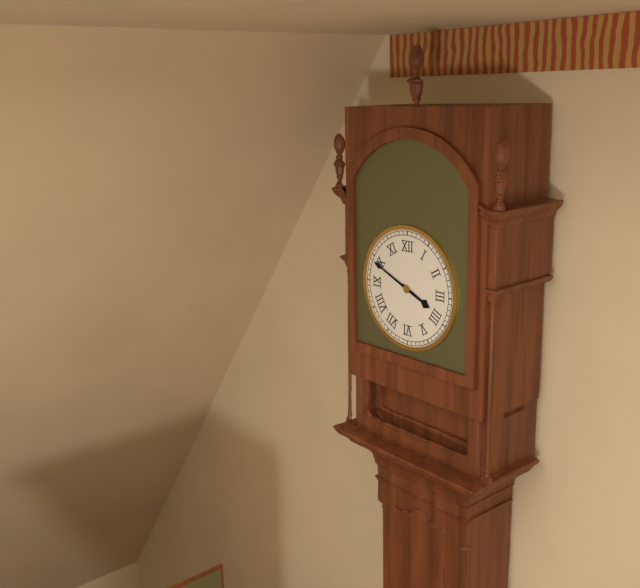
3:49
